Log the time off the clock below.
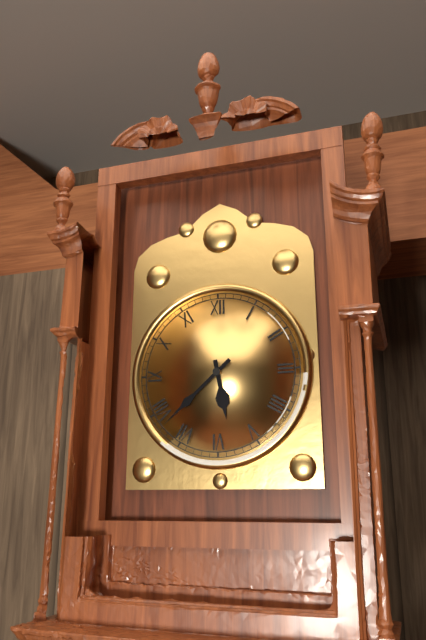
5:38
